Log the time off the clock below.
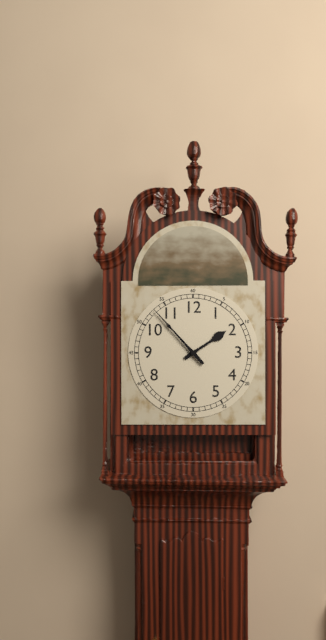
1:53
